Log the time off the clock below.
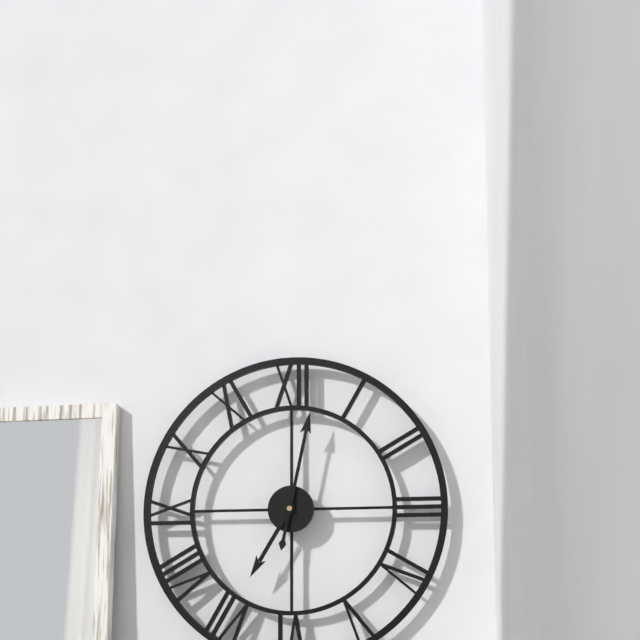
7:02
